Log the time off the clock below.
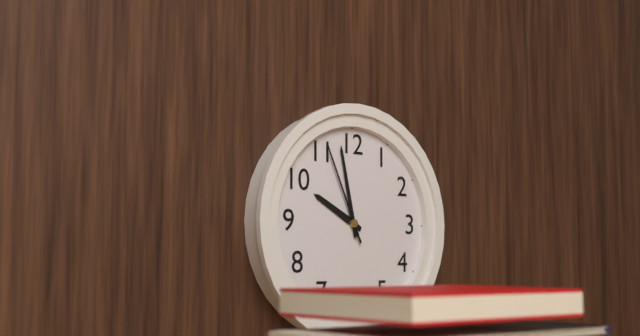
9:58:56
